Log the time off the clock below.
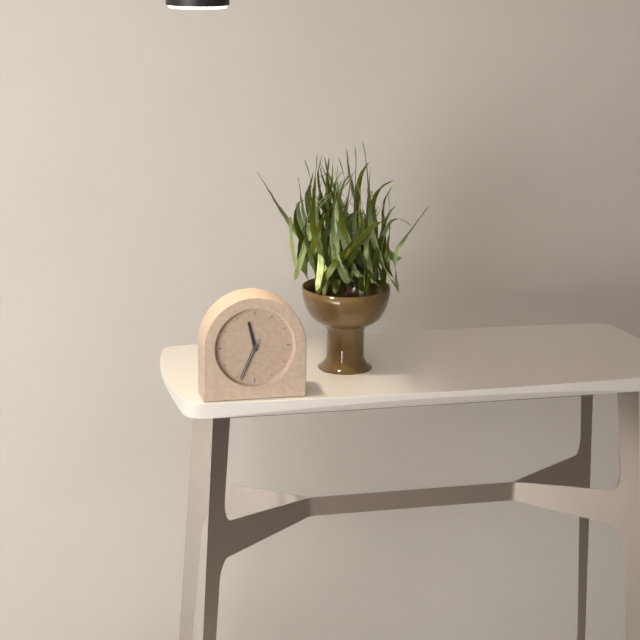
11:34
